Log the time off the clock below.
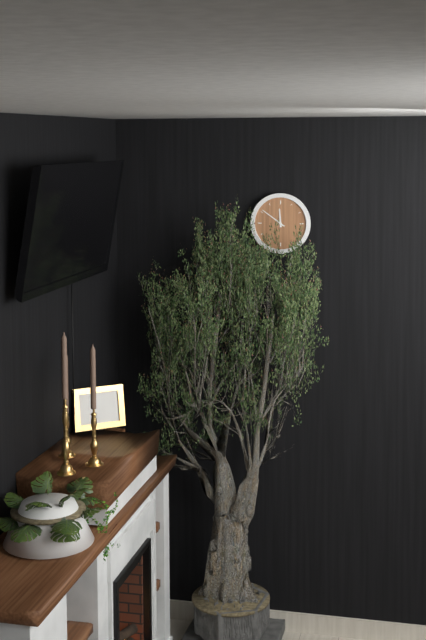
11:51
